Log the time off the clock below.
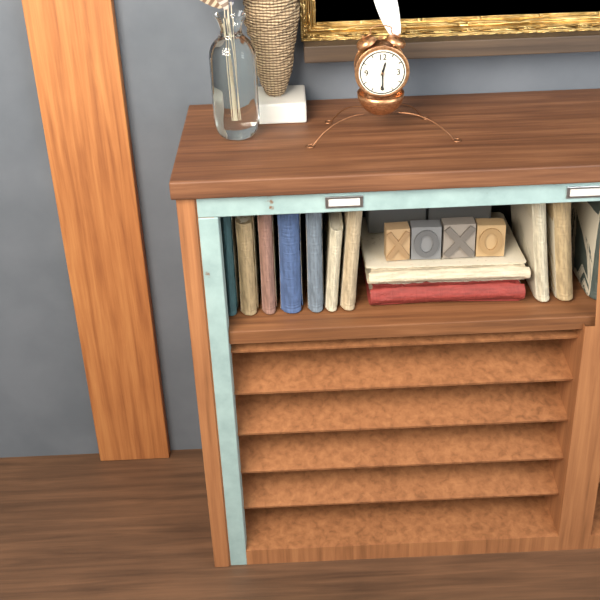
12:30
